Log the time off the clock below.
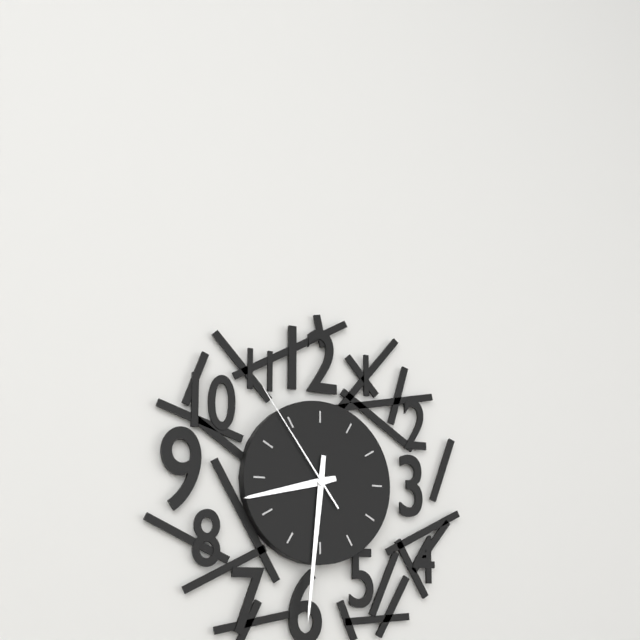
8:31:54
